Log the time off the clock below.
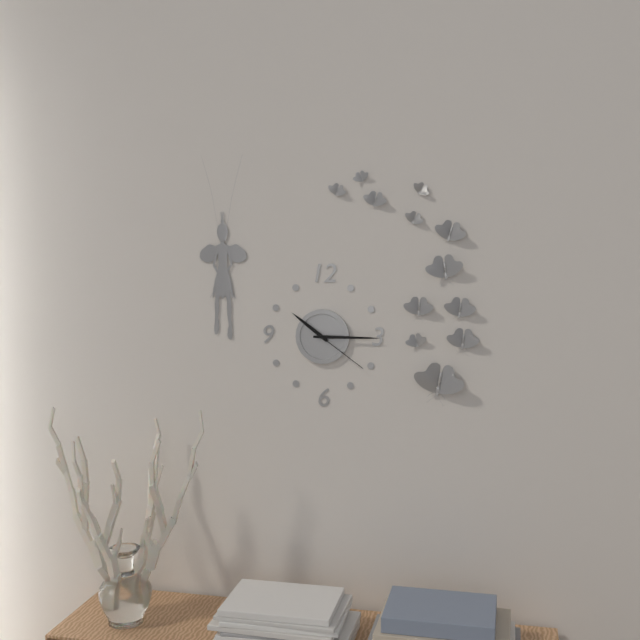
10:15:21
